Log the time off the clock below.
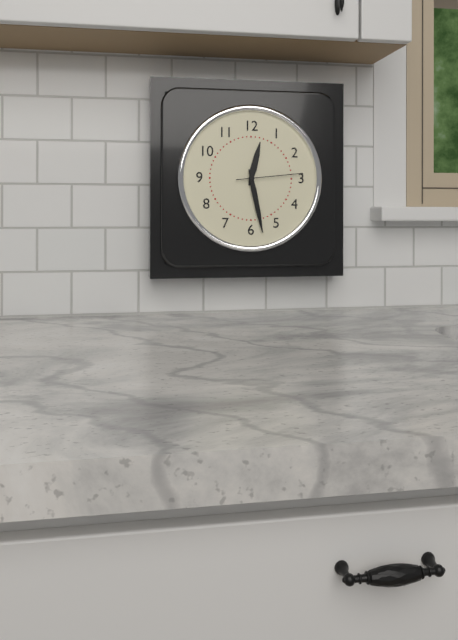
12:28:14
